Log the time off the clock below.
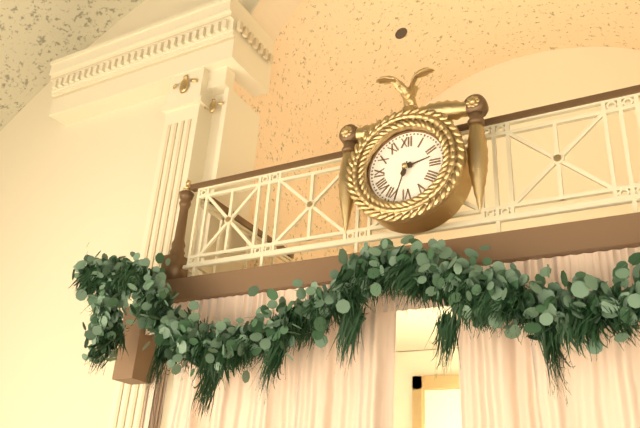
2:33
